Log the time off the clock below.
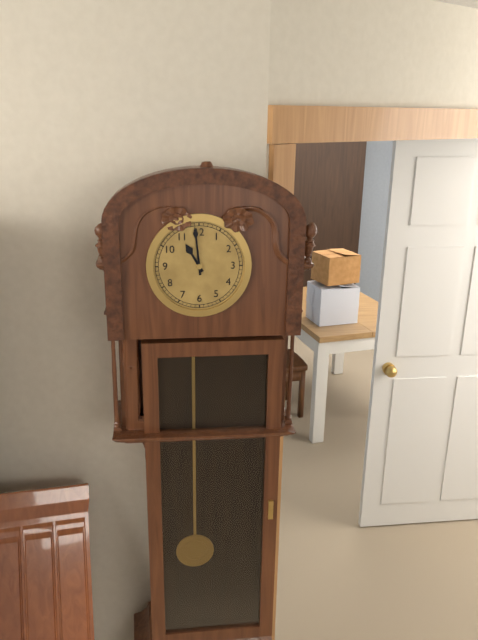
10:59
